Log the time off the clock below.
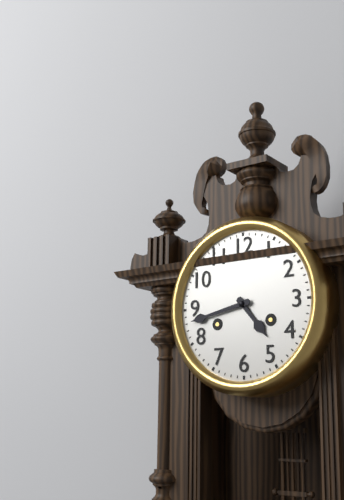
4:43
